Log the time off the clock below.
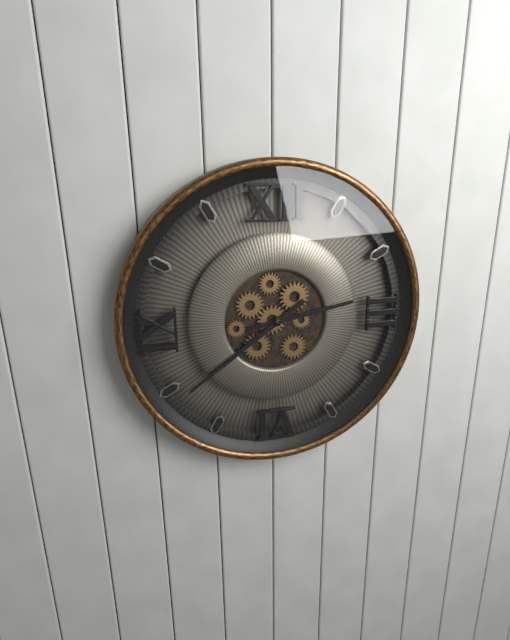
2:39
